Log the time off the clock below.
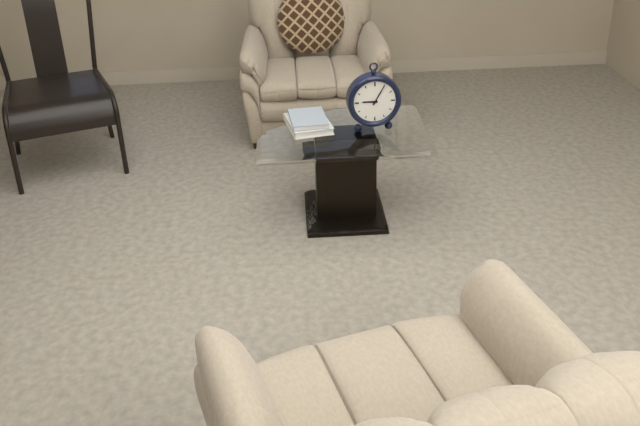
9:05
